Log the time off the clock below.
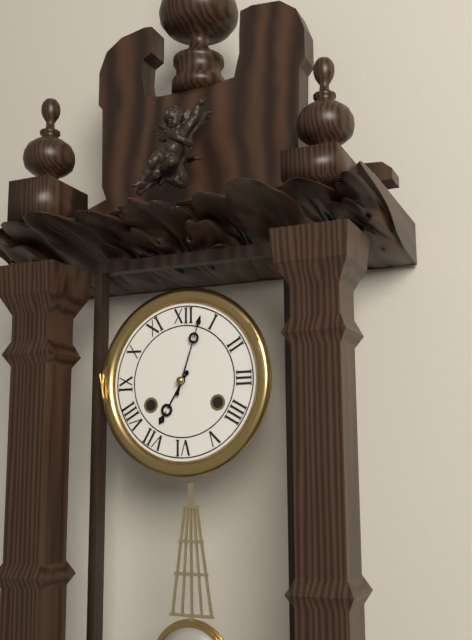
7:03
